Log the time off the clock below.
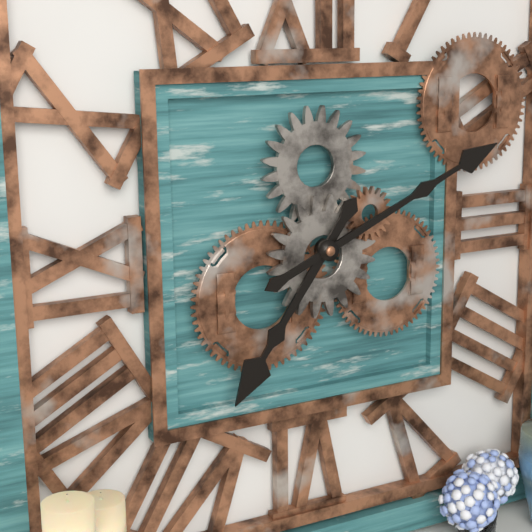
7:11
